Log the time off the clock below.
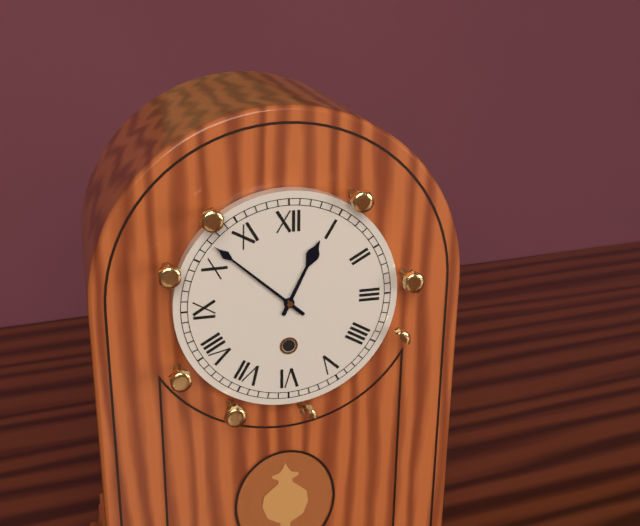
12:52
